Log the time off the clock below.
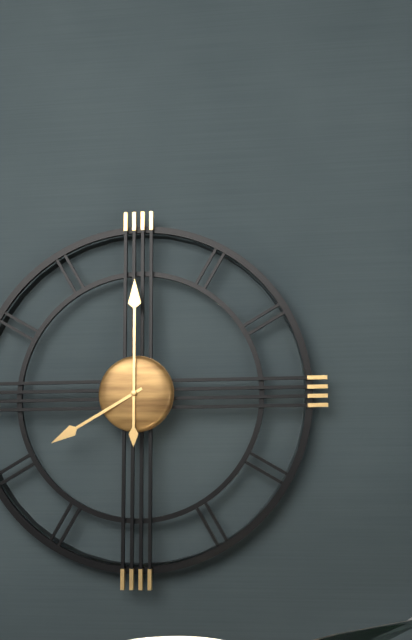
8:00
